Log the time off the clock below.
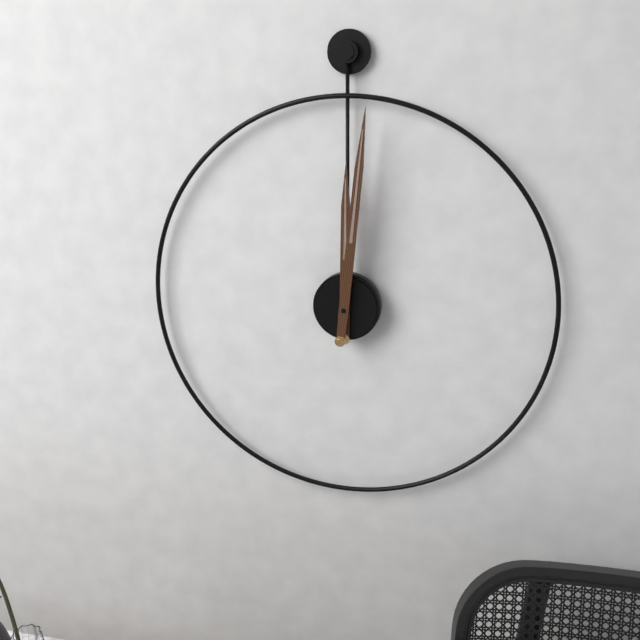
12:01
